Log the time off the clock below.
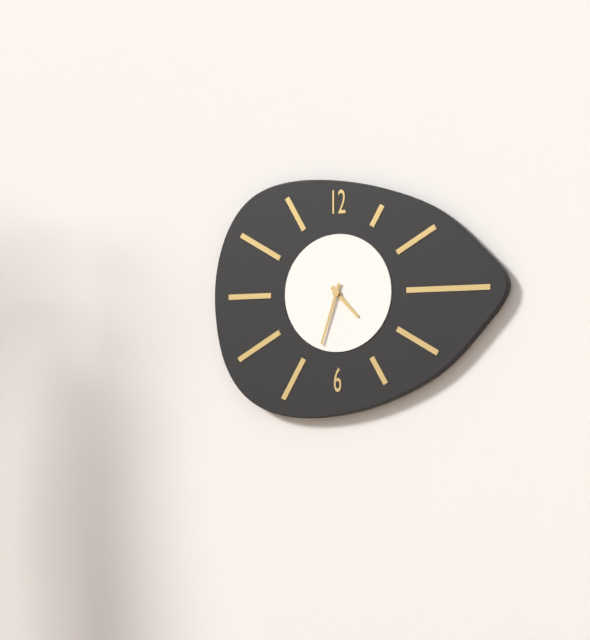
4:33
